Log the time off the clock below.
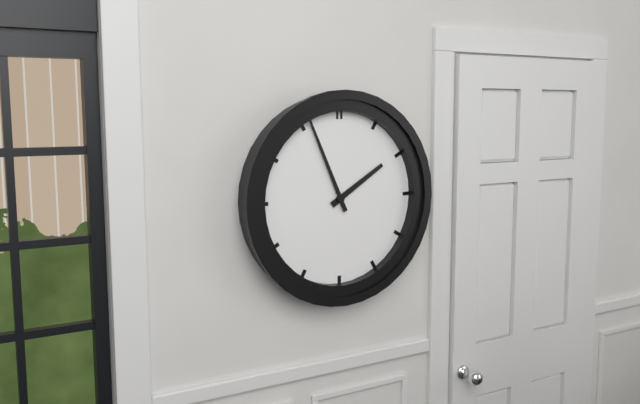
1:56
